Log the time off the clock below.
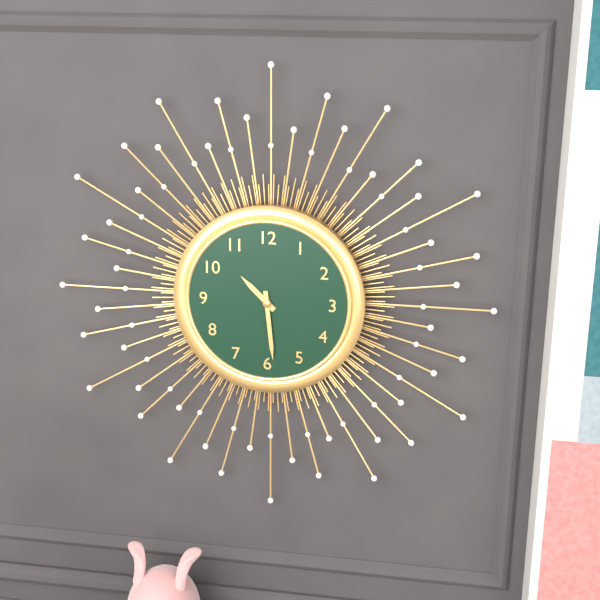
10:29
